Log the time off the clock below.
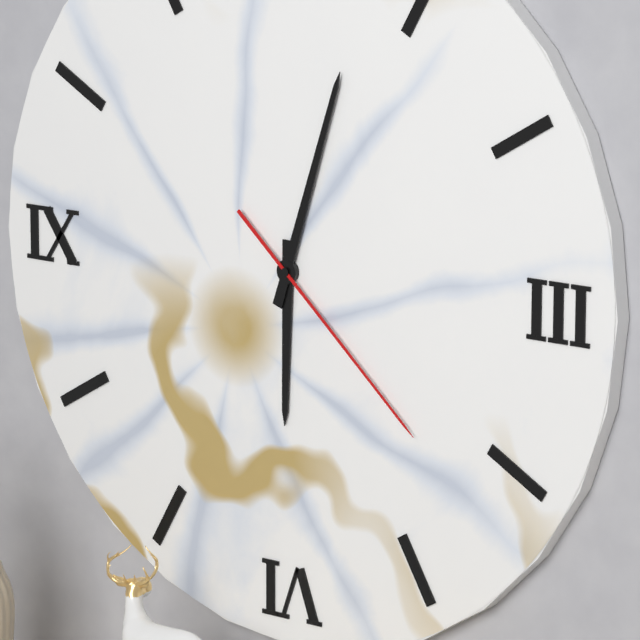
6:03:22
